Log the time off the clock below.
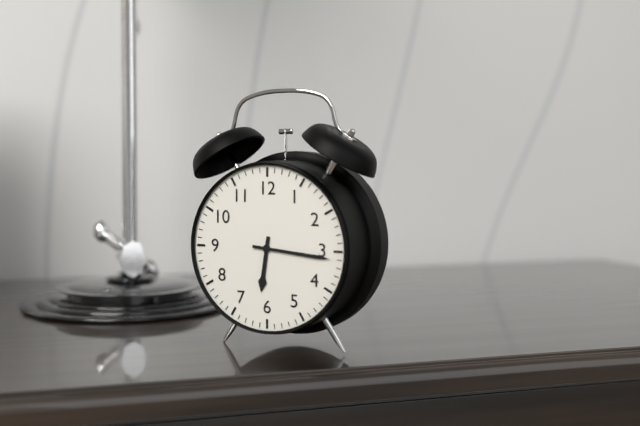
6:16
